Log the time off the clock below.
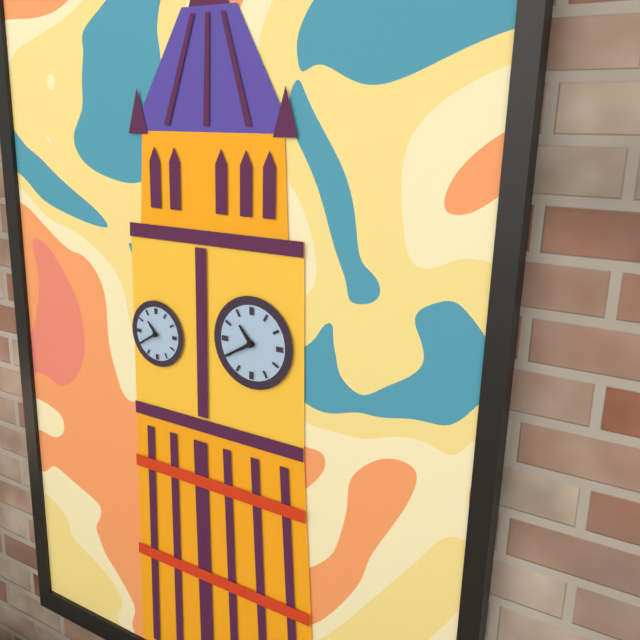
10:40
